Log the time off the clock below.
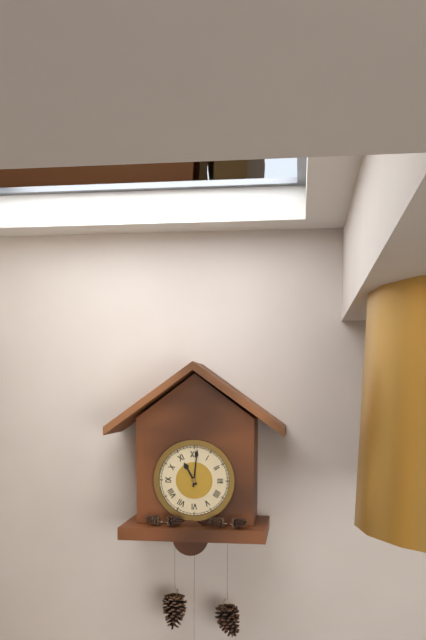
11:01
